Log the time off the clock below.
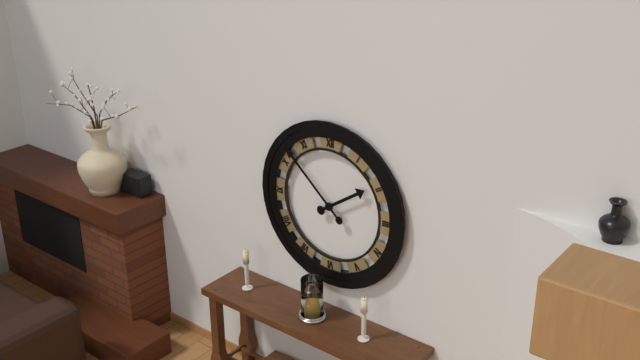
1:52
